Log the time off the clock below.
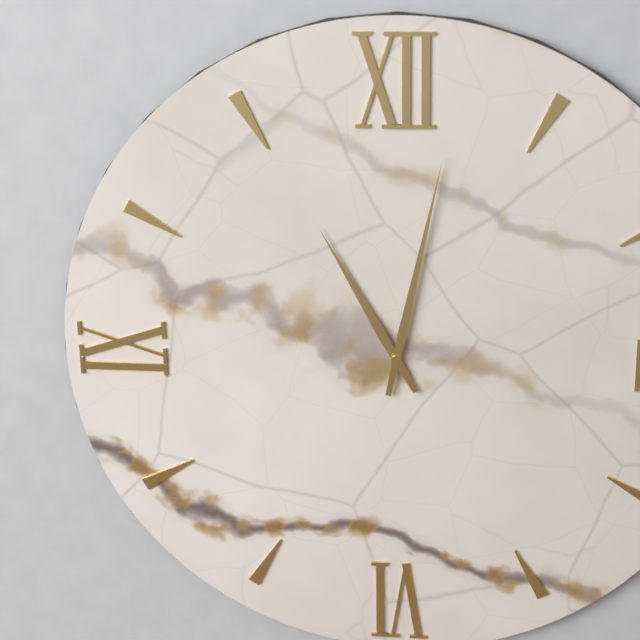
11:02
